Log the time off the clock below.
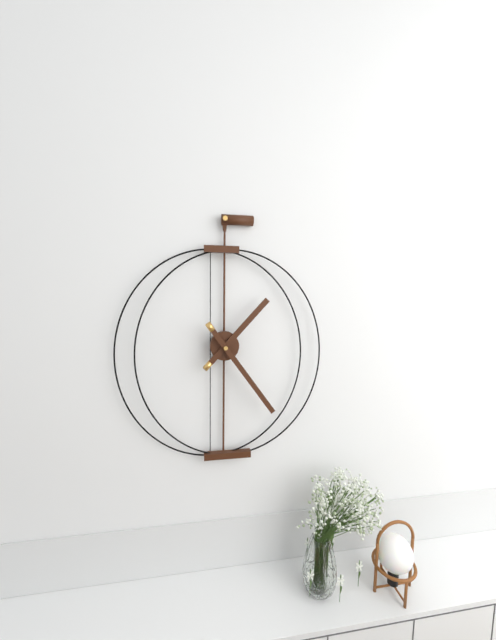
1:24
